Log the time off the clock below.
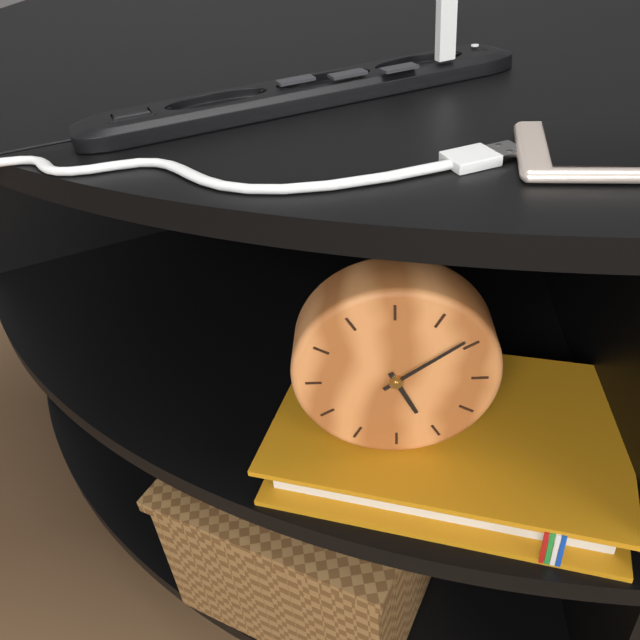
5:09
